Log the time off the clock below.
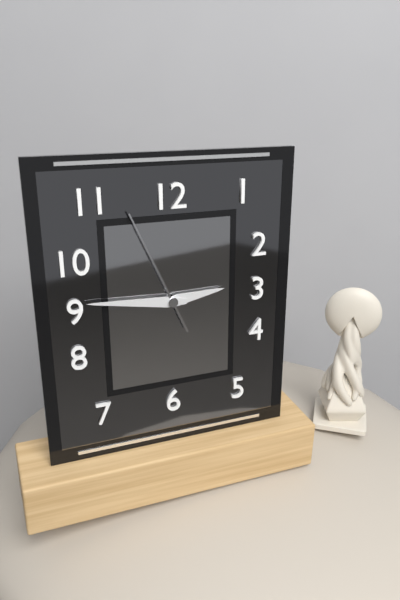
2:46:56
